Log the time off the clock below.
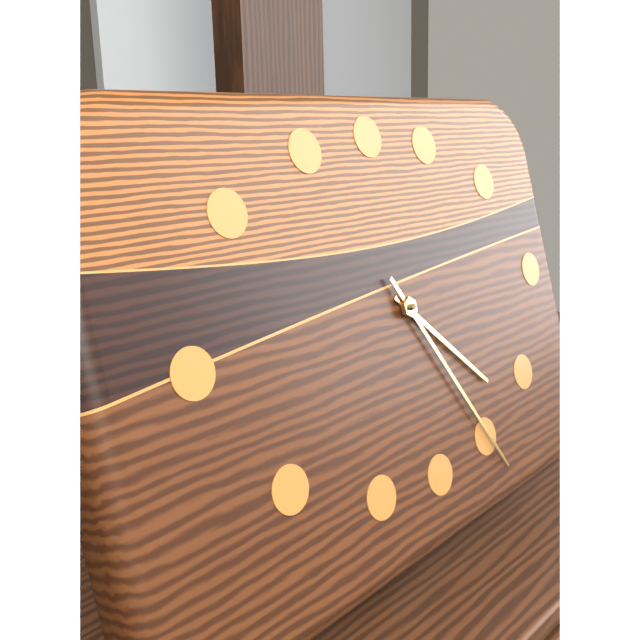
4:25
